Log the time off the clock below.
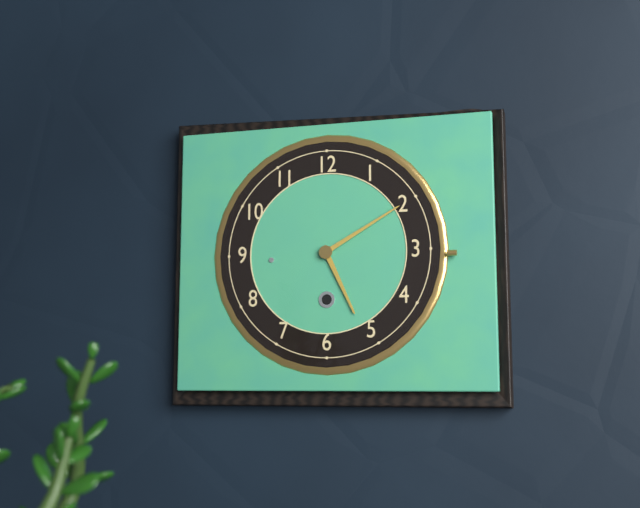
5:10
